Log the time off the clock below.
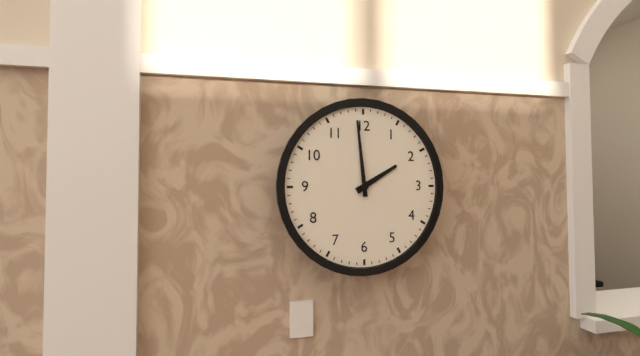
1:59
